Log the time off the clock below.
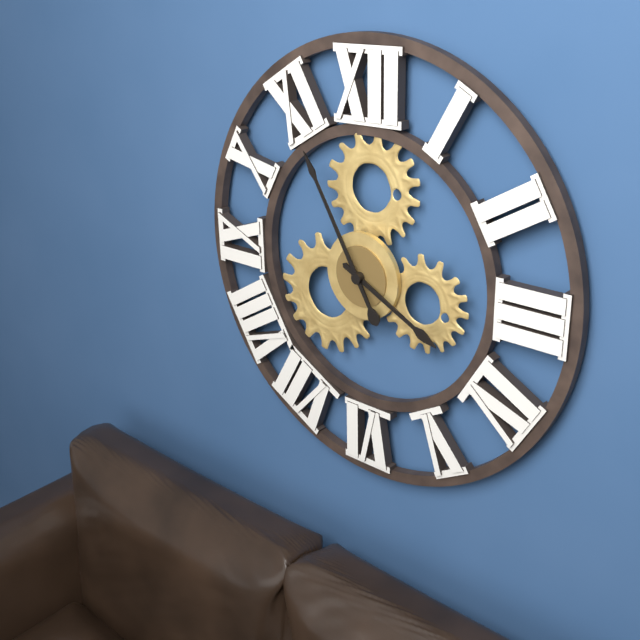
3:55
